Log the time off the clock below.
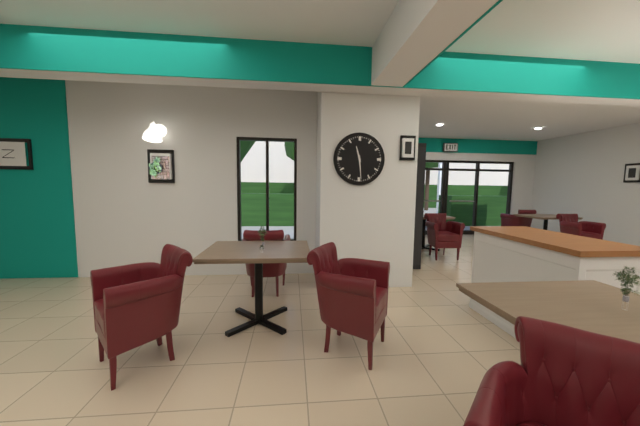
11:29
